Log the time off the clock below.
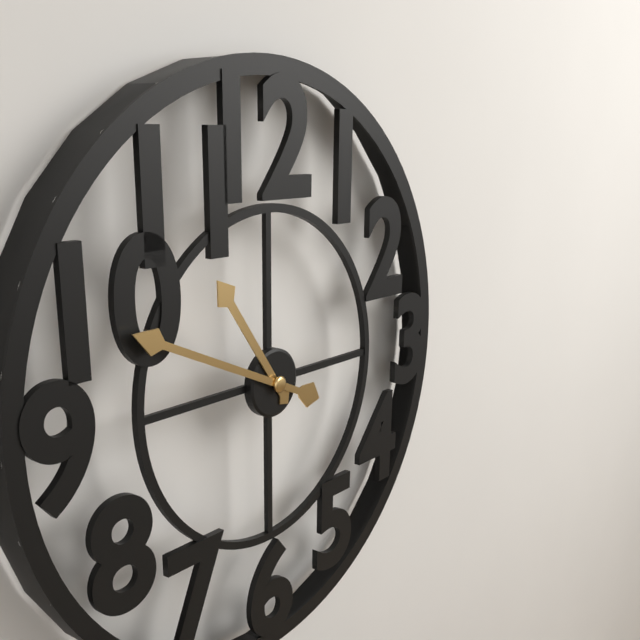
10:49
